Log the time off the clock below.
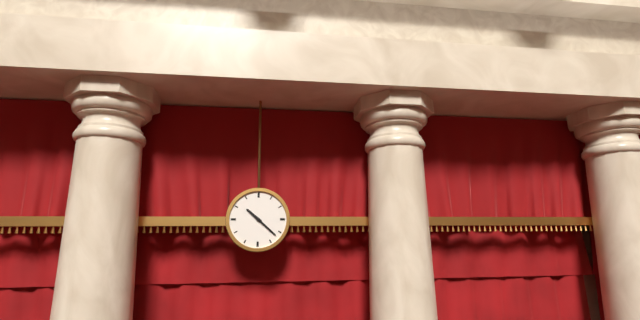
10:22
